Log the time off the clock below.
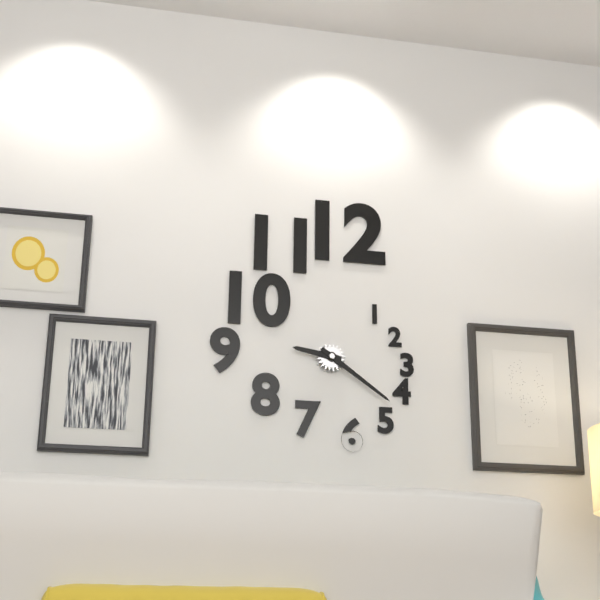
9:21
